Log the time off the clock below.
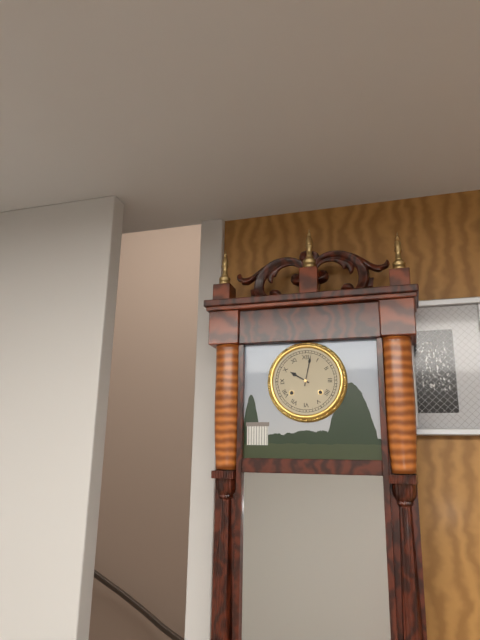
10:02
